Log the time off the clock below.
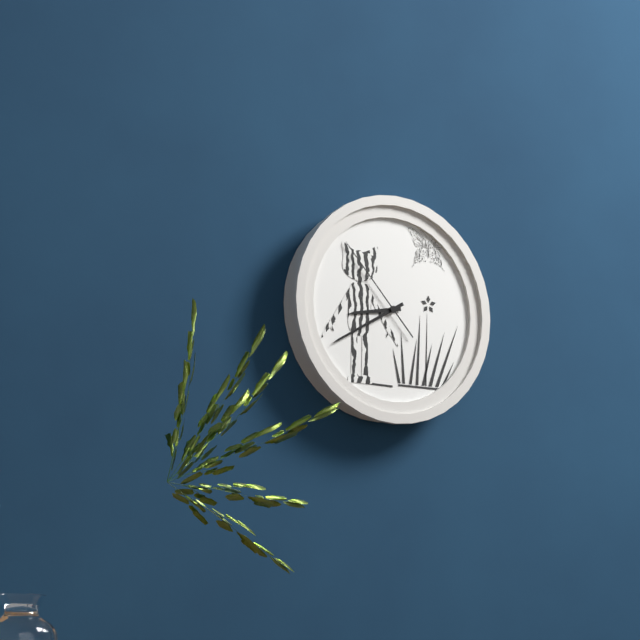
8:40:53
